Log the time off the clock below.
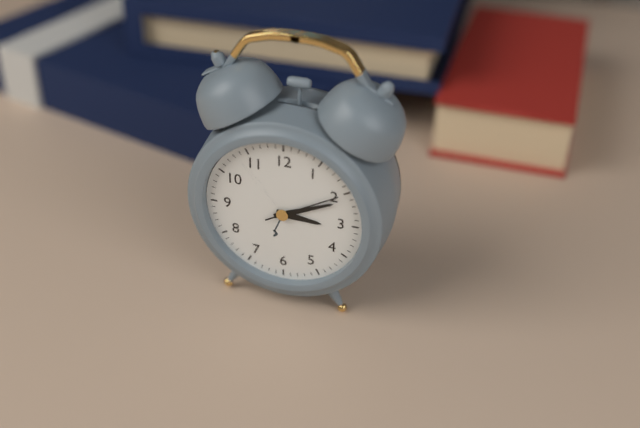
3:11:10
